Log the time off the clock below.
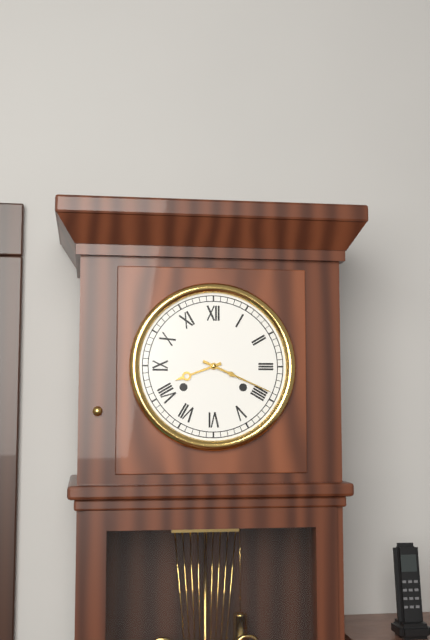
8:19
